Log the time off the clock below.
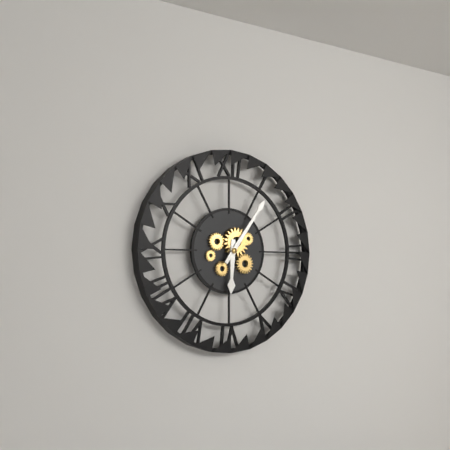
6:06
